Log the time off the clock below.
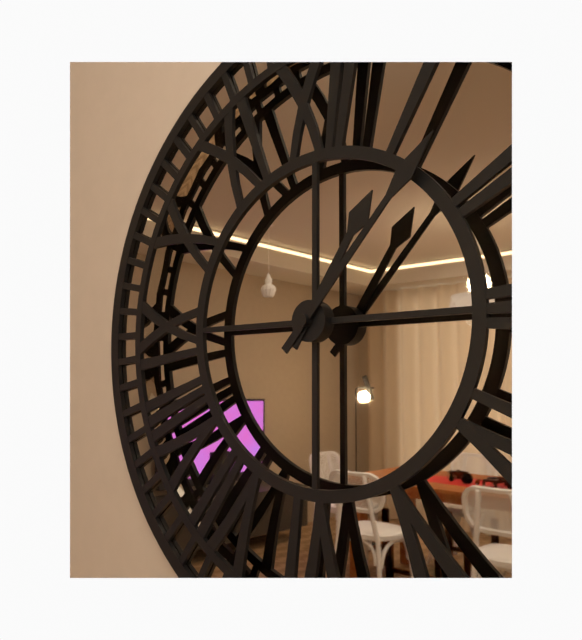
1:07
